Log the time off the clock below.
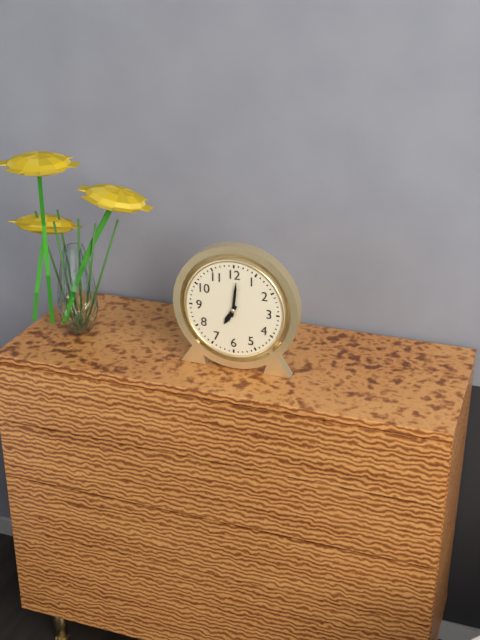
7:01
